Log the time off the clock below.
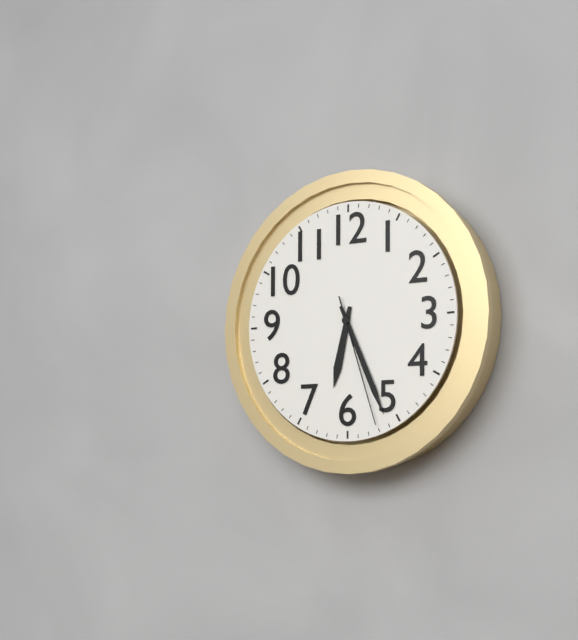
6:26:27
